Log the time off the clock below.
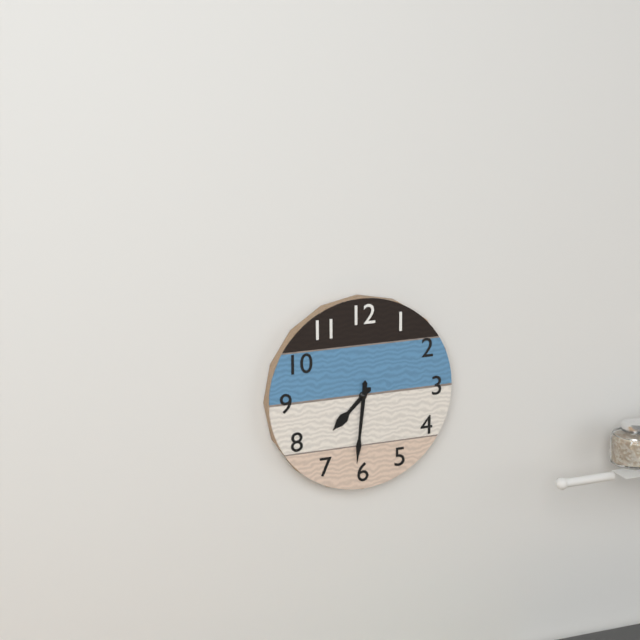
7:31
